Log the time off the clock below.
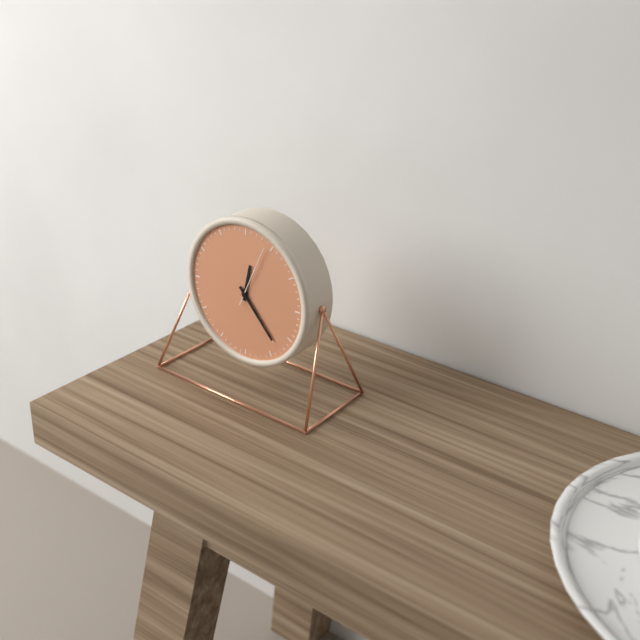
12:23:04
